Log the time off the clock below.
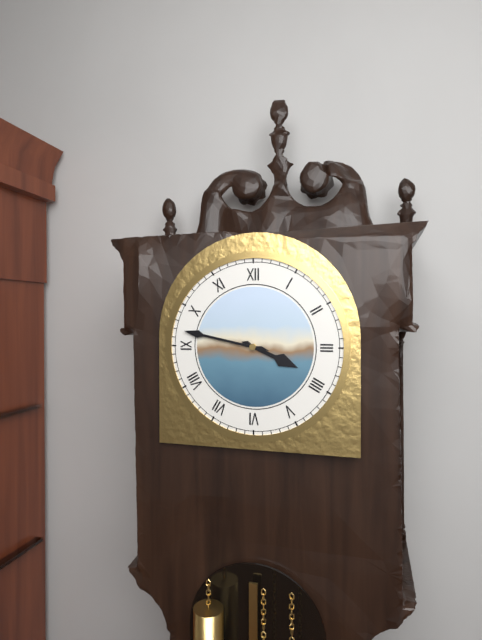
3:47
